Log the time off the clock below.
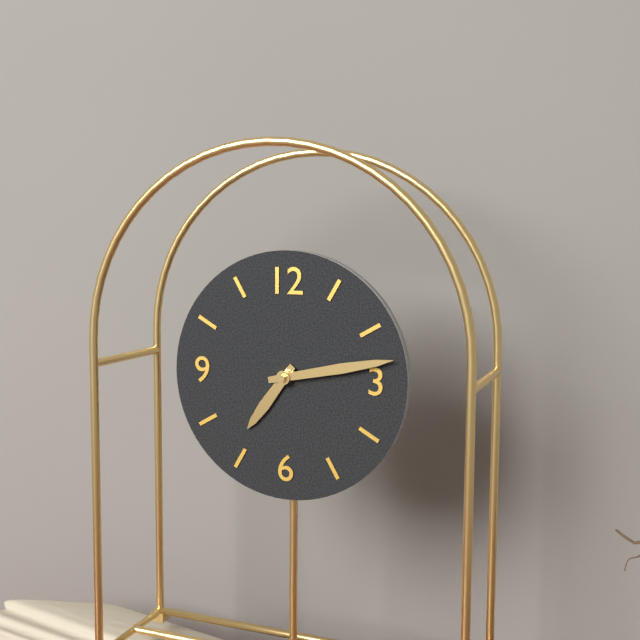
7:13
